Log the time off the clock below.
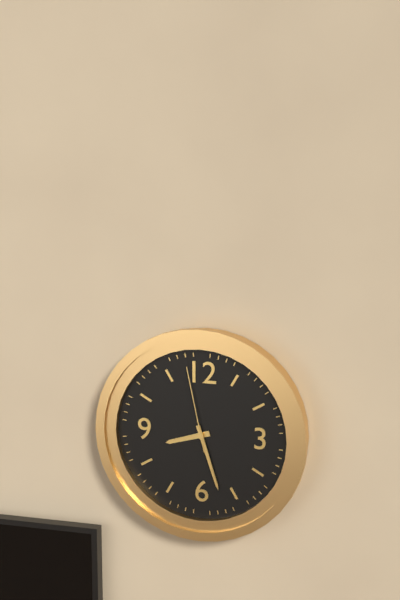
8:27:58
